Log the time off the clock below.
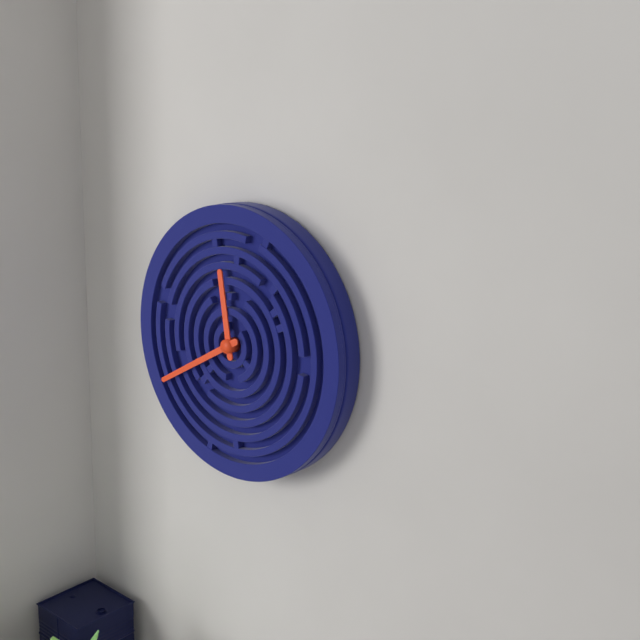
11:40
